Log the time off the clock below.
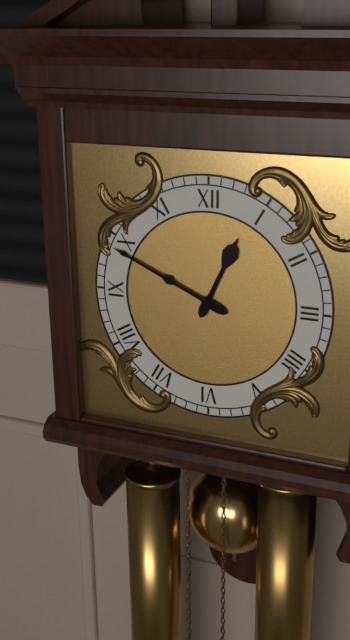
12:49
